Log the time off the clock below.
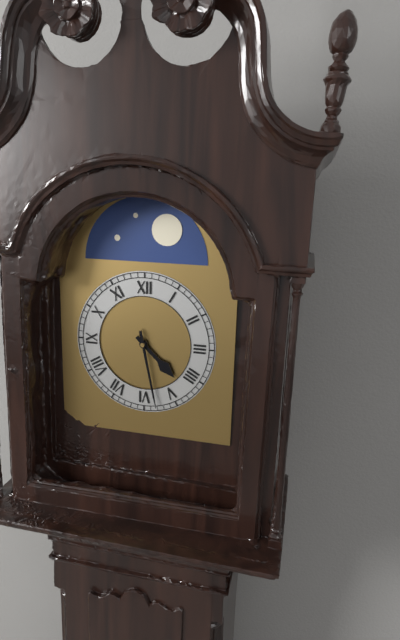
4:28
